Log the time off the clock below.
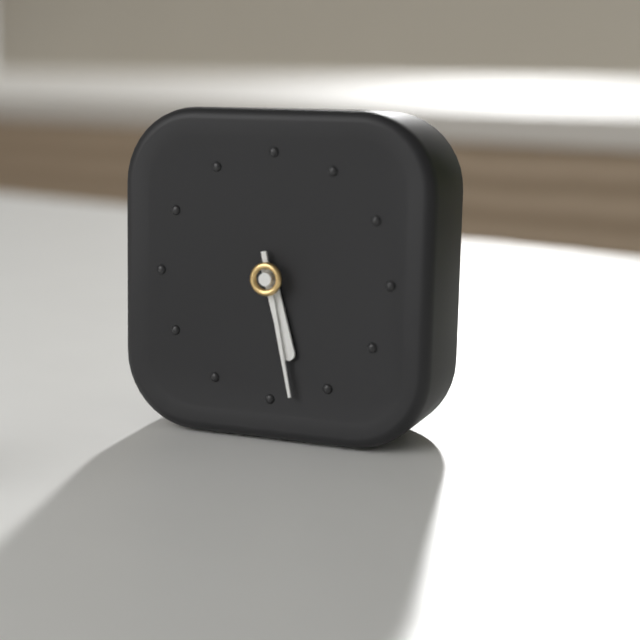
5:28
